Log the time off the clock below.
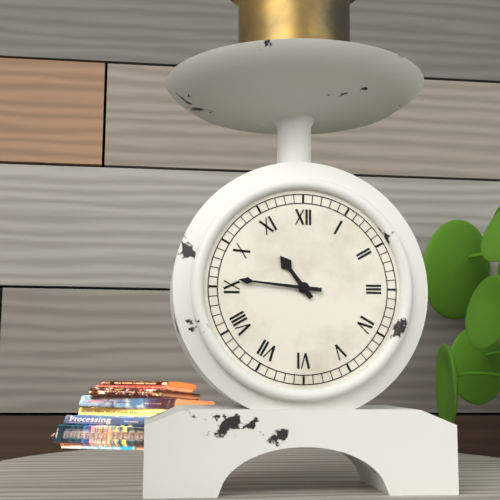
10:46
